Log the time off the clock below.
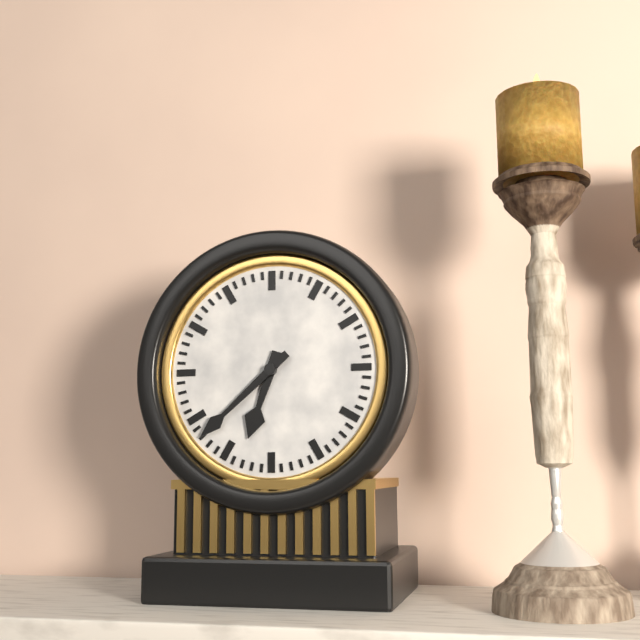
6:38
